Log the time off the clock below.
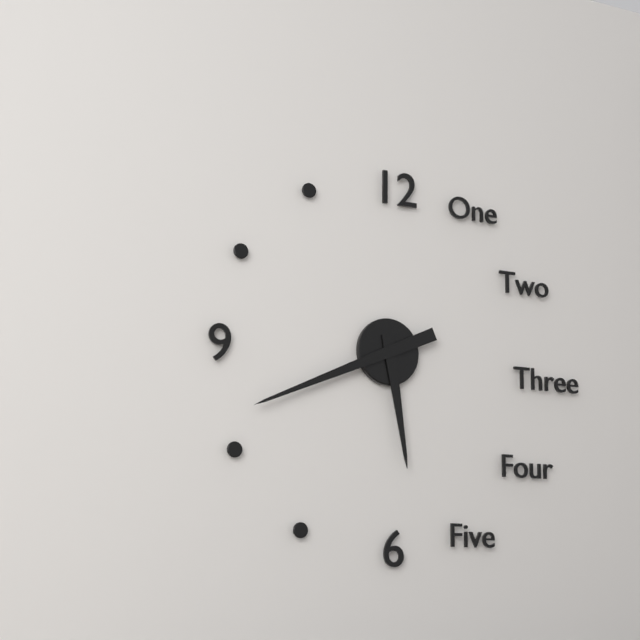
5:41
